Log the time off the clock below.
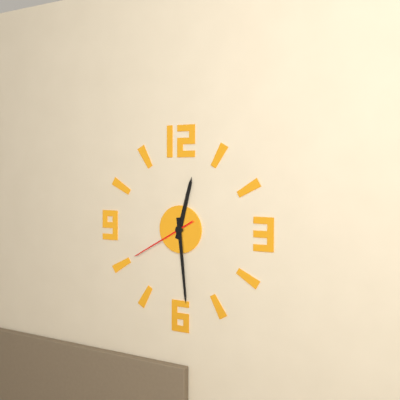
12:29:40
